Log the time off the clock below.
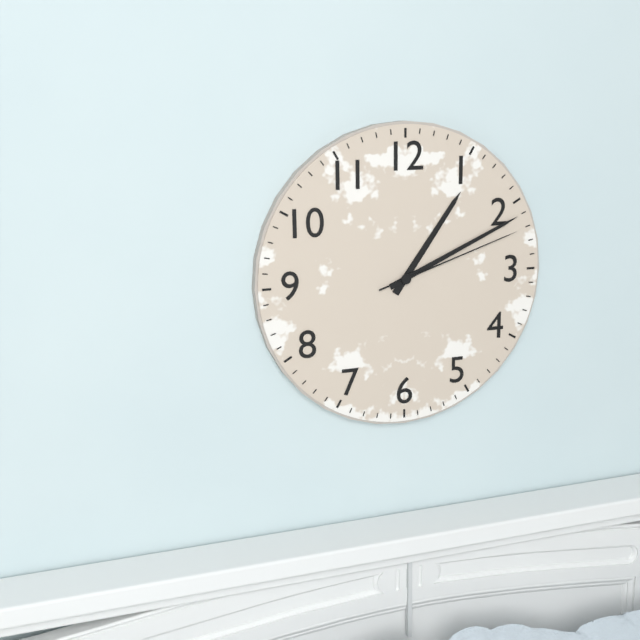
1:11:12
